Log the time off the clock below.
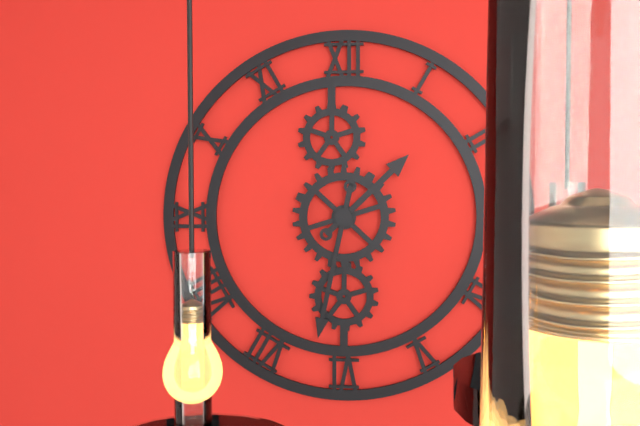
1:32
